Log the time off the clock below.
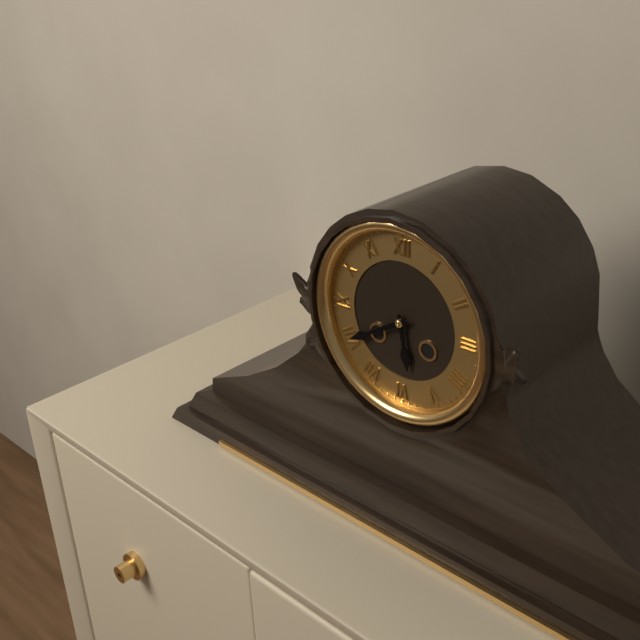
5:40
